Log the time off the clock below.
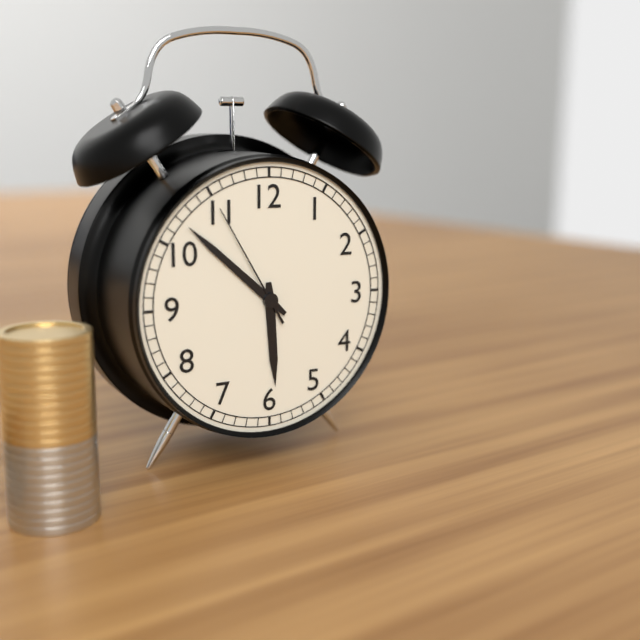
5:52:55
